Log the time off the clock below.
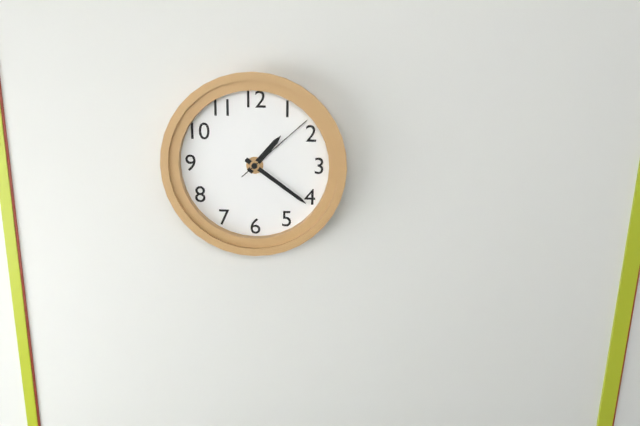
1:21:08
